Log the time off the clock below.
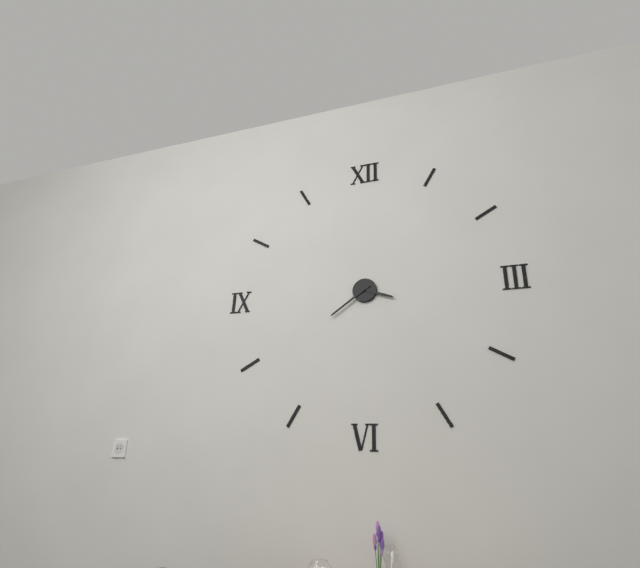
3:39
